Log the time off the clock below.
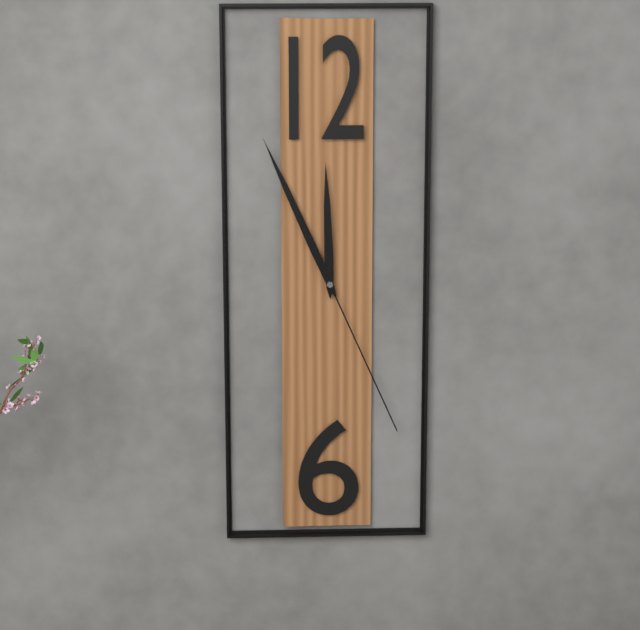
11:56:26
